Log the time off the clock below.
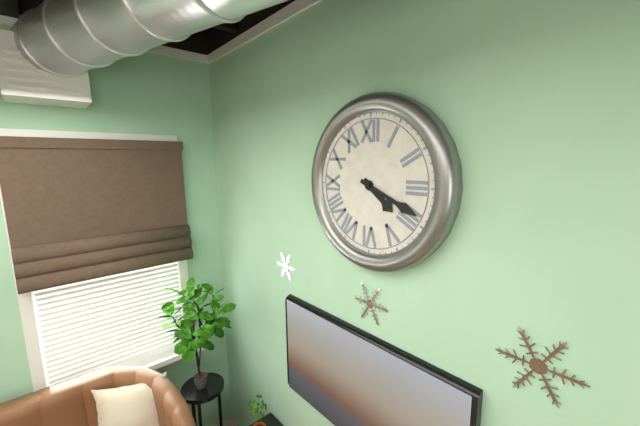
4:19
